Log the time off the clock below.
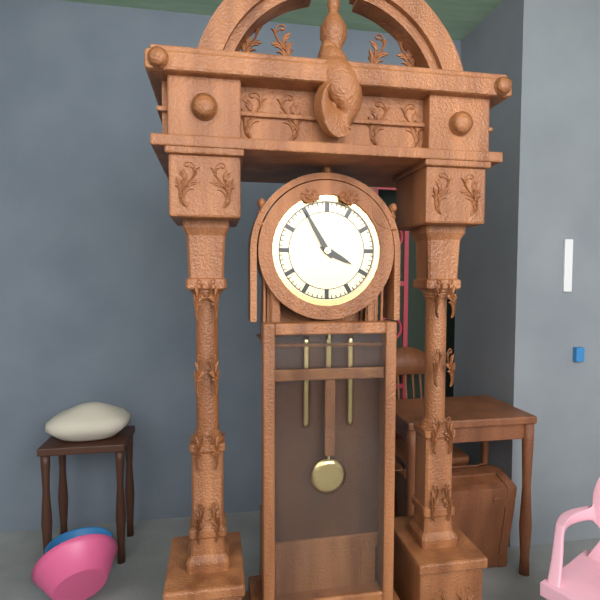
3:55
